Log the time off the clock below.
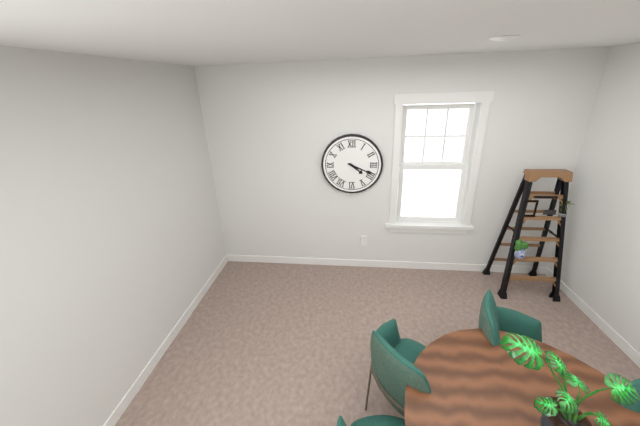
4:19
